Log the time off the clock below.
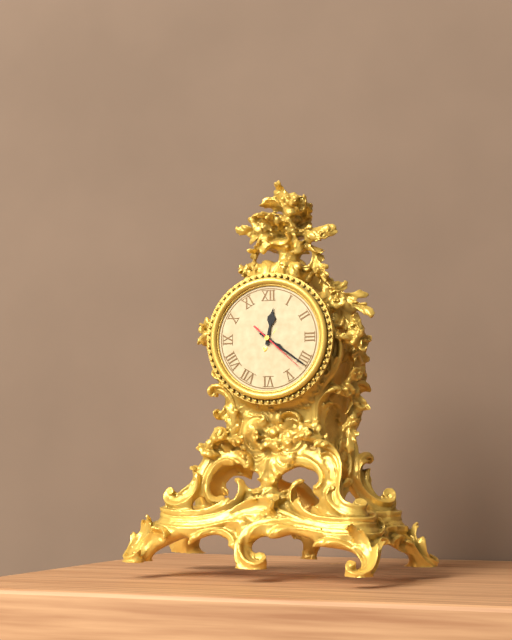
12:21:22
